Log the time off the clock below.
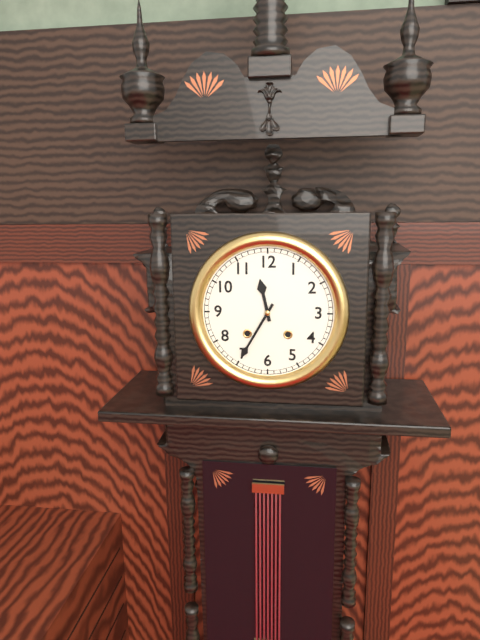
11:35
